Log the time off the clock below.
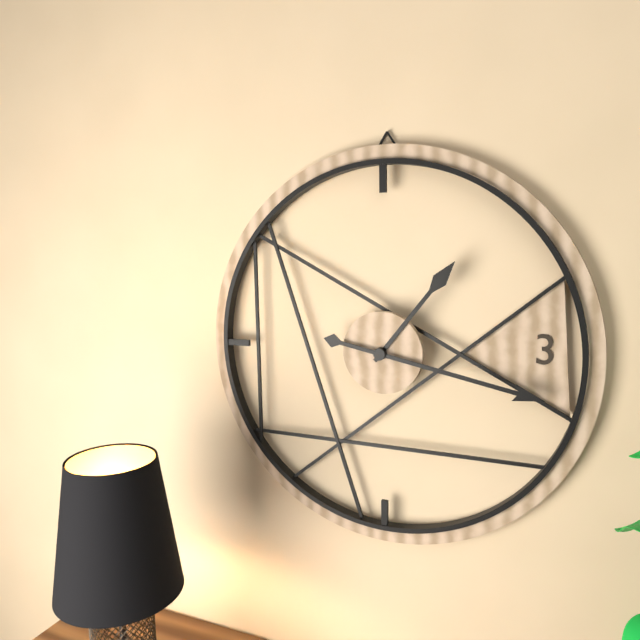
1:17
